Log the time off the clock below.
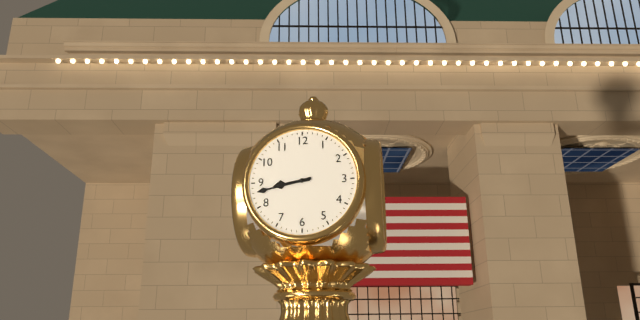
8:43
